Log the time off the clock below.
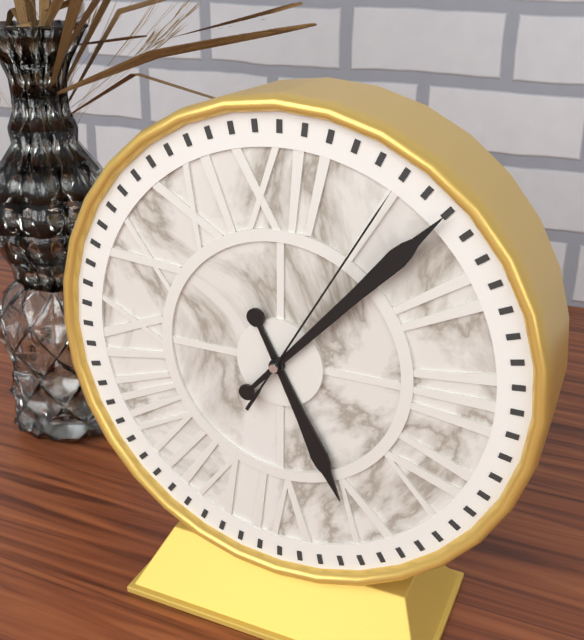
5:07:05
